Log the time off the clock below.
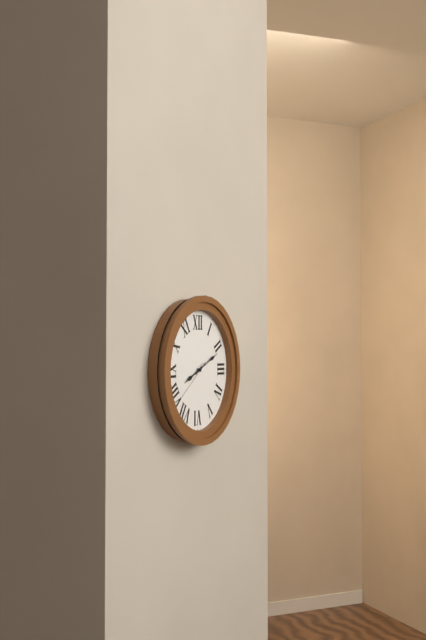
8:11:39
